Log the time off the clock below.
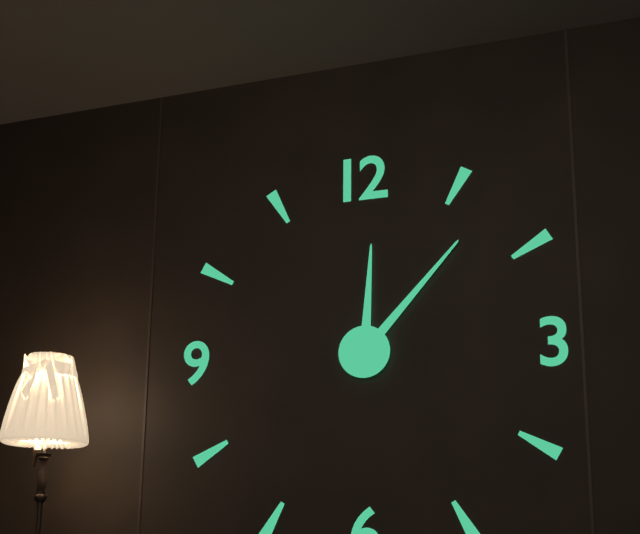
12:07
